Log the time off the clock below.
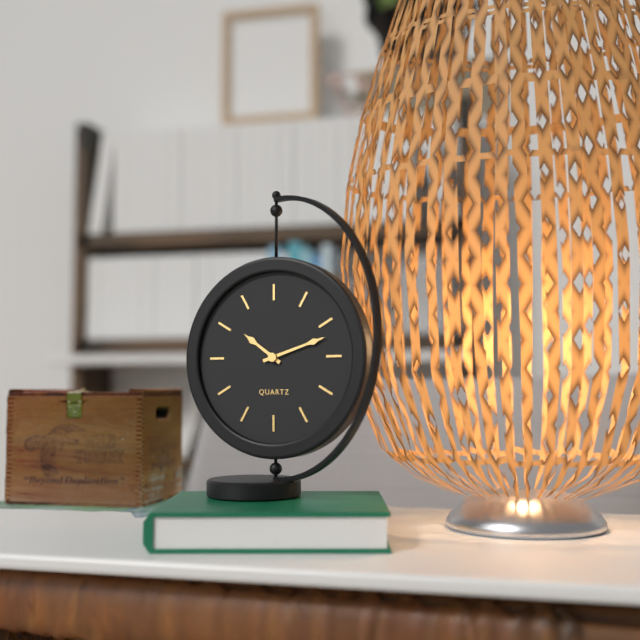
10:12
